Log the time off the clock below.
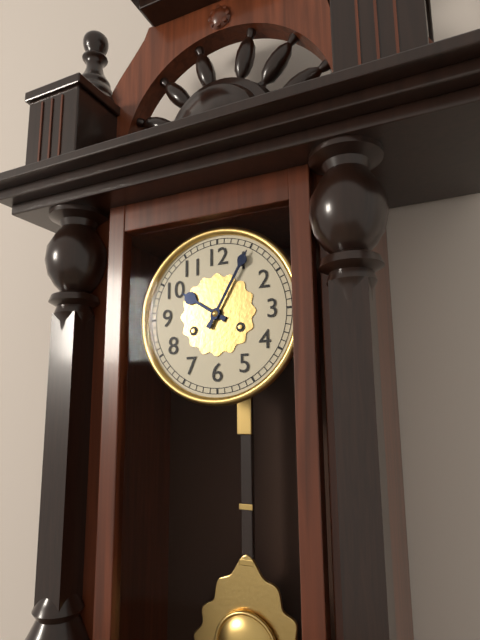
10:05
